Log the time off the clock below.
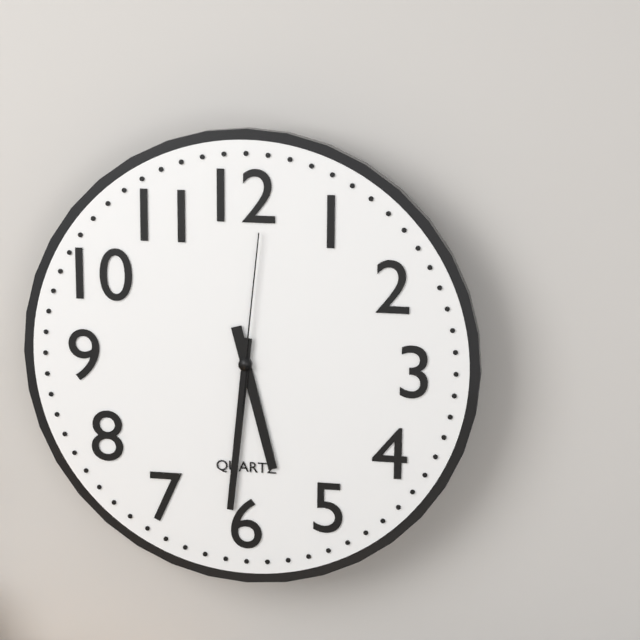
5:31:01
